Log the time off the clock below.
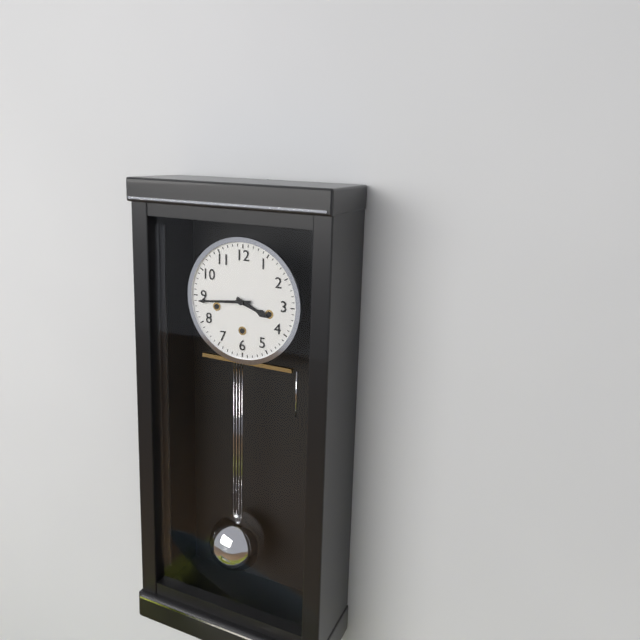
3:44
